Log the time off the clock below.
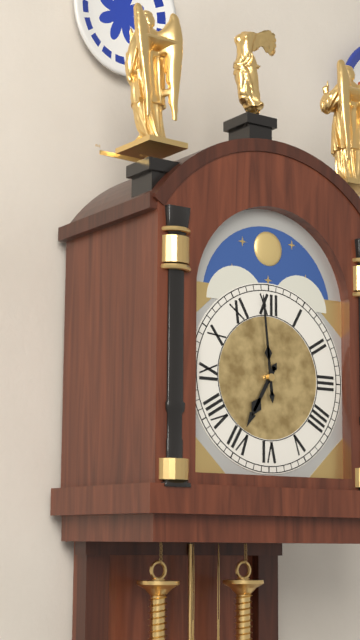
6:59
